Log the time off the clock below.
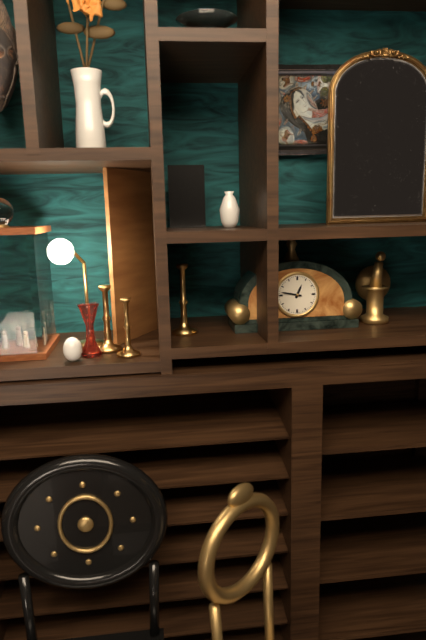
12:47
